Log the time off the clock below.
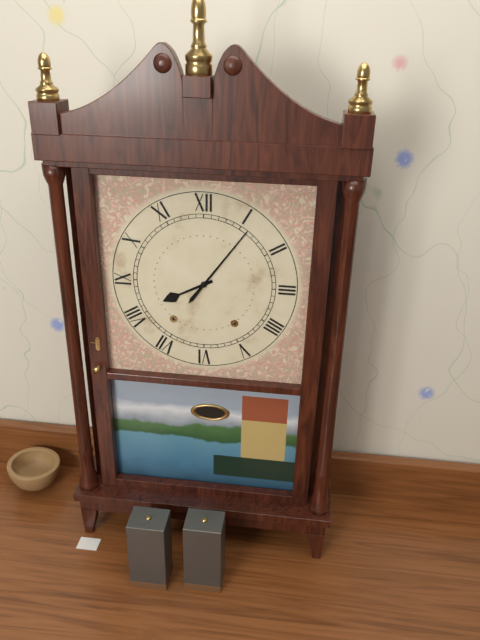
8:06
